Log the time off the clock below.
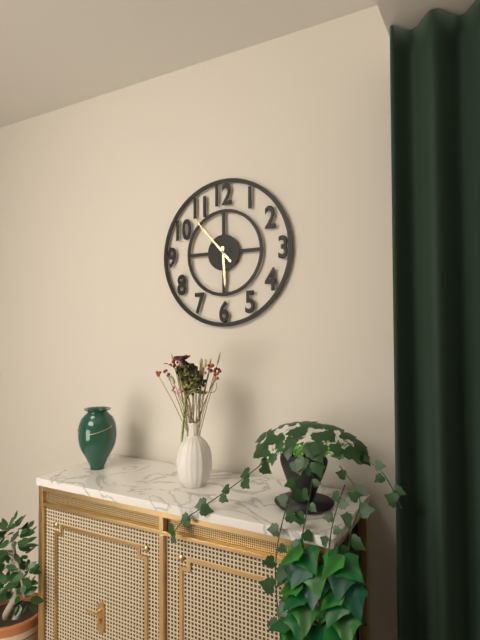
5:53
